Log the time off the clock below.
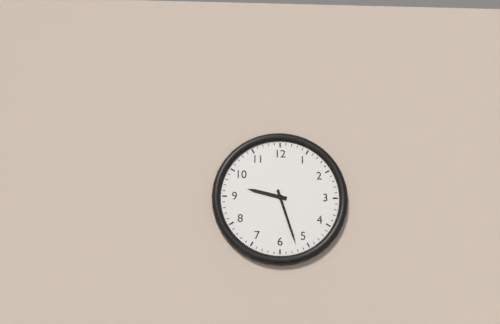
9:27
